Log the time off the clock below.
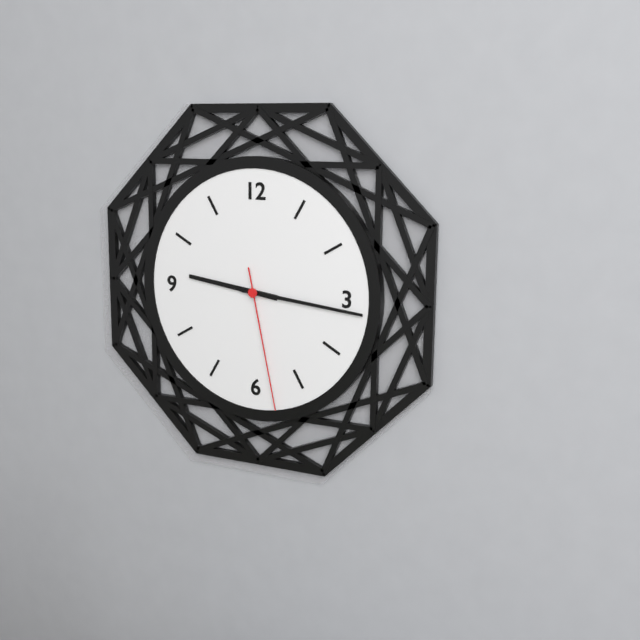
9:16:28
